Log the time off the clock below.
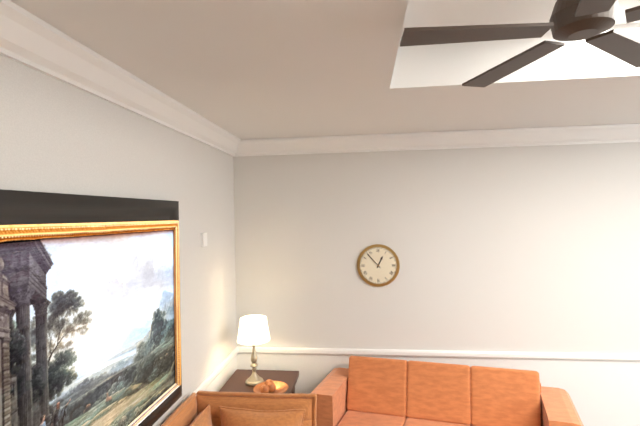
12:53
